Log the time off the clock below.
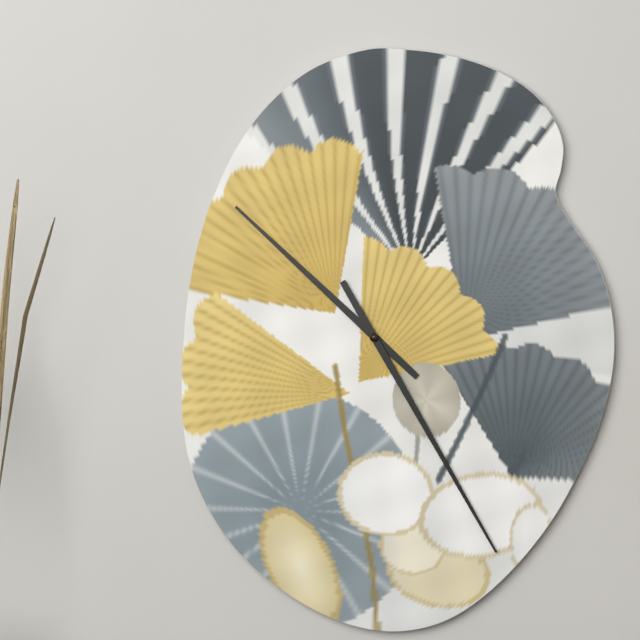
10:25
